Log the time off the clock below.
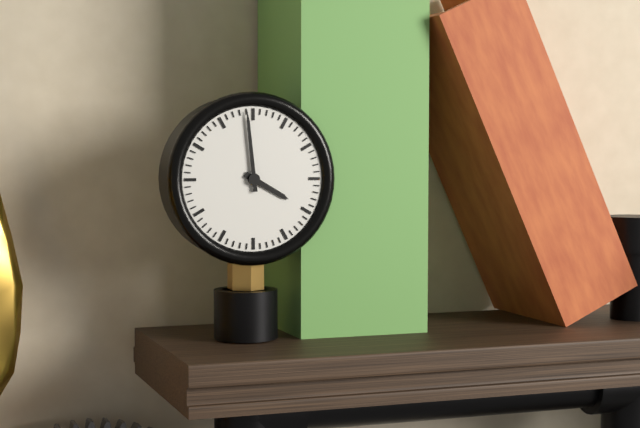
3:59
